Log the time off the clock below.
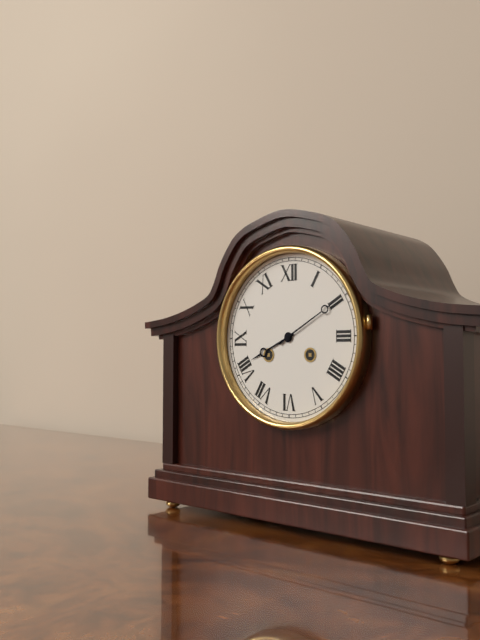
8:10
